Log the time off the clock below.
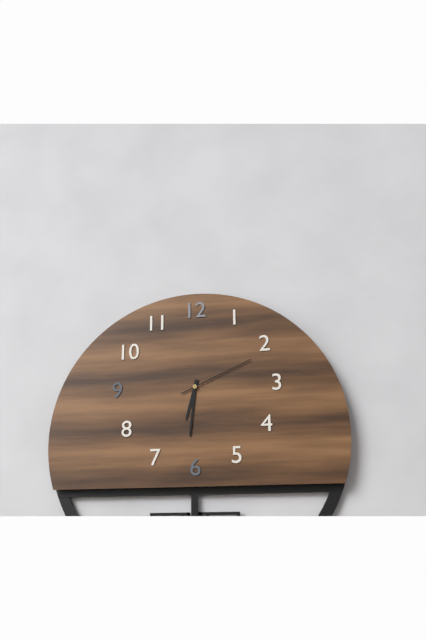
6:31:11
